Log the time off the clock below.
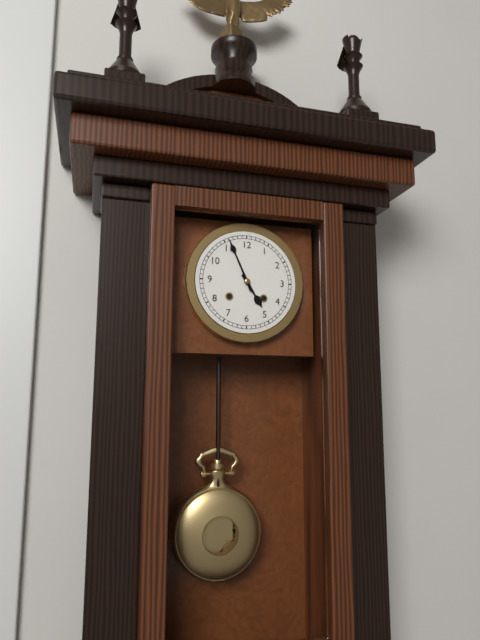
4:56
